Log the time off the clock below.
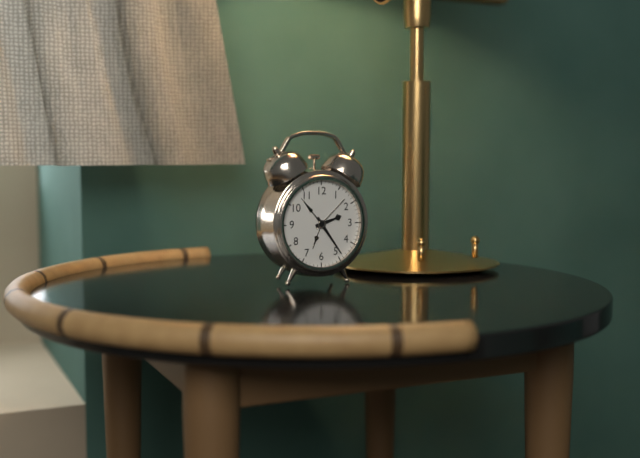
2:24
